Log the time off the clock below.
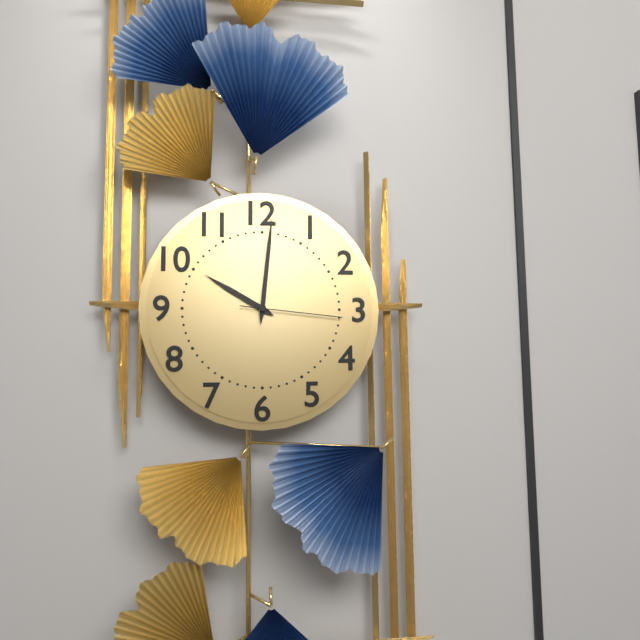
10:01:16
